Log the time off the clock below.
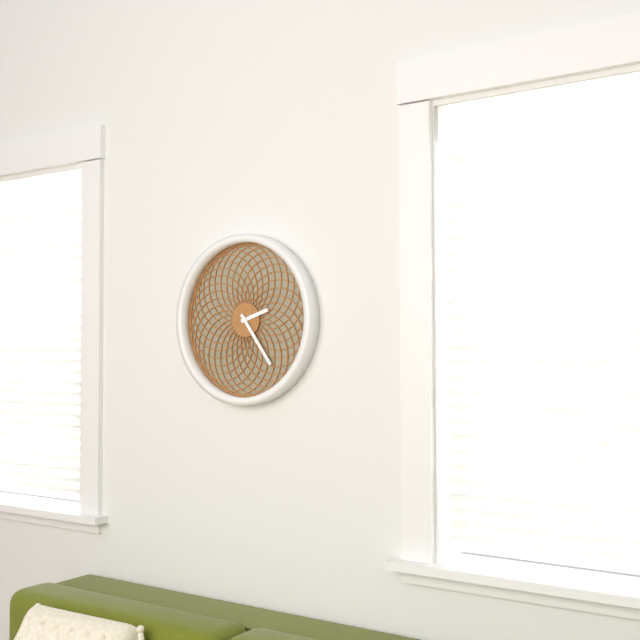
2:24
